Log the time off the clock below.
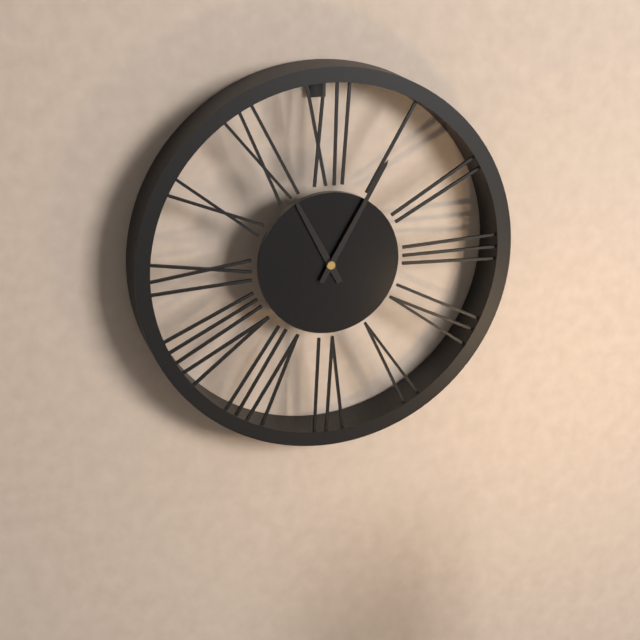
11:05
